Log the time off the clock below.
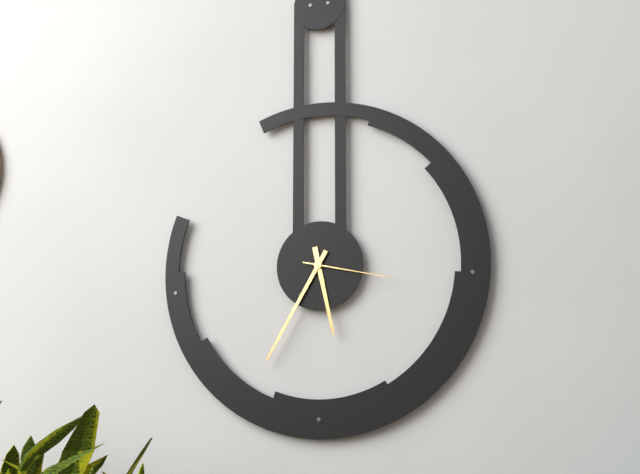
5:35:17
